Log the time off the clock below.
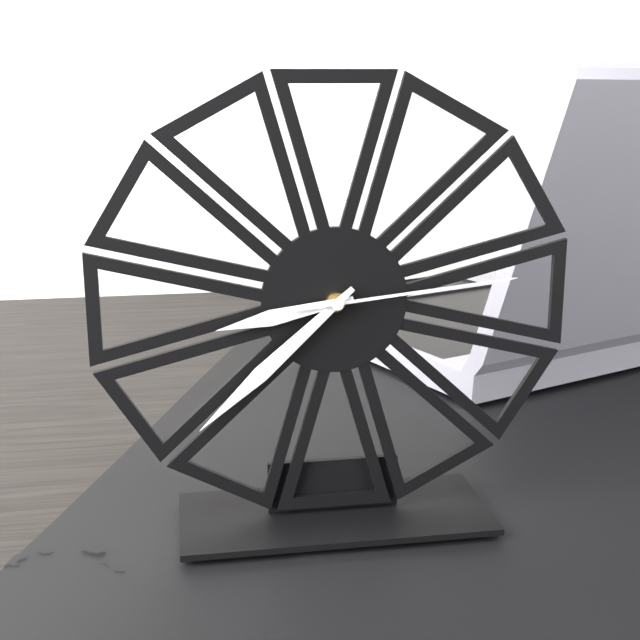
8:38:14
